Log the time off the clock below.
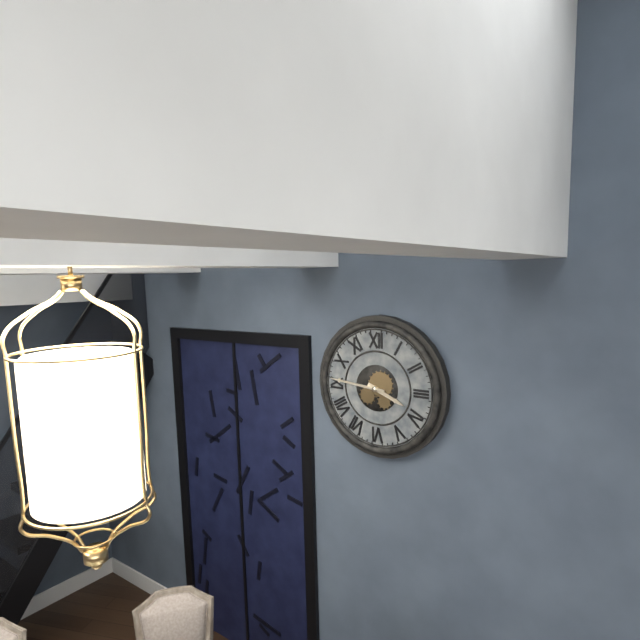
3:46
